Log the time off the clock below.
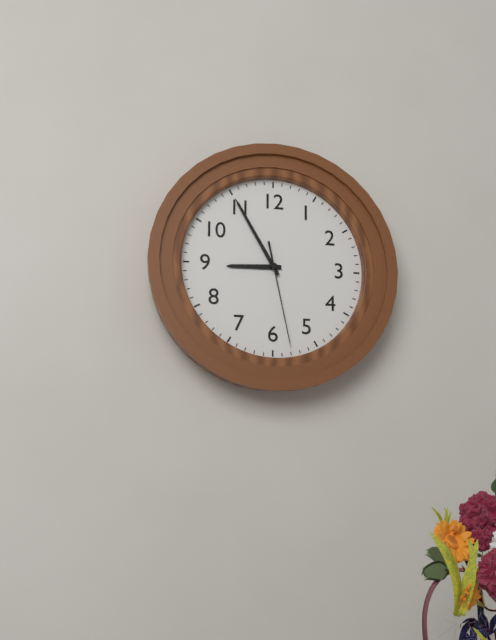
8:55:28
